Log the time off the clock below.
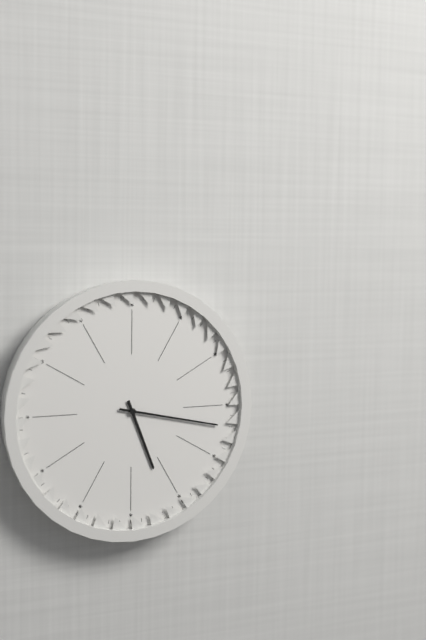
5:17
